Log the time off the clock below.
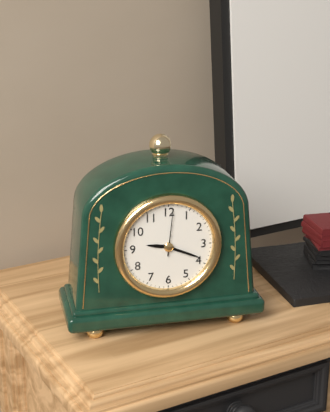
9:19
